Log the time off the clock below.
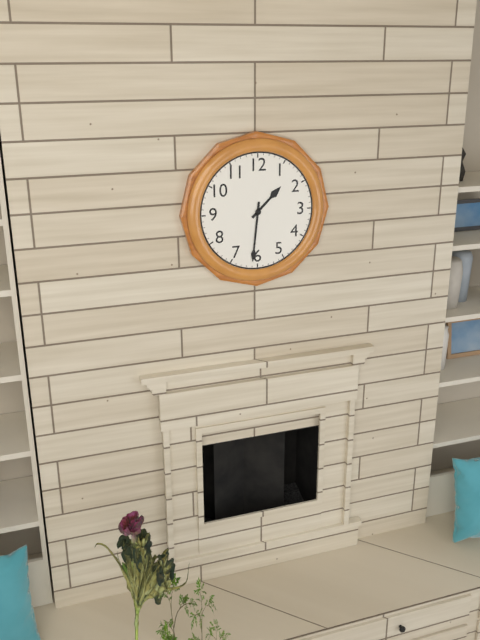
1:31
